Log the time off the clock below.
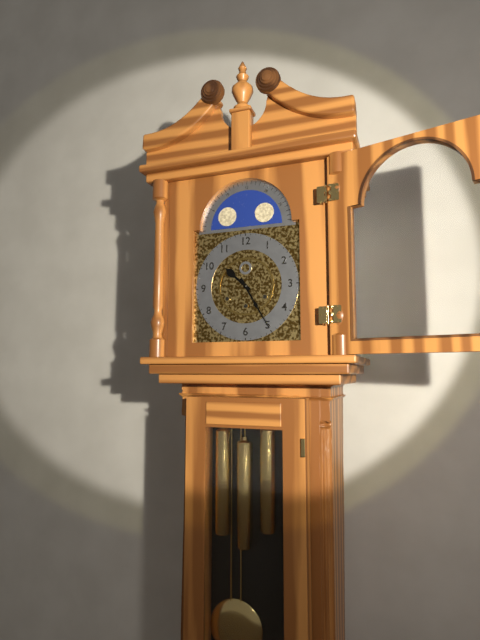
10:25
